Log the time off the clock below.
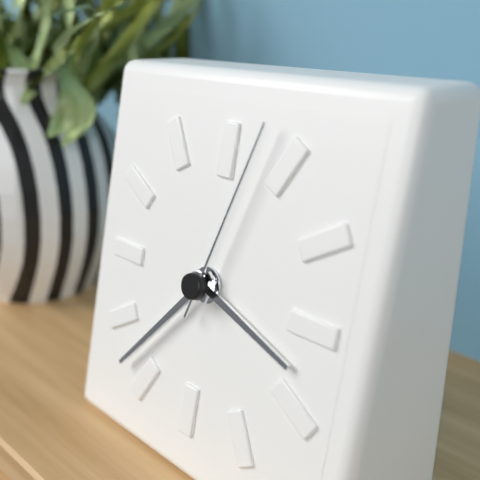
3:37:03
